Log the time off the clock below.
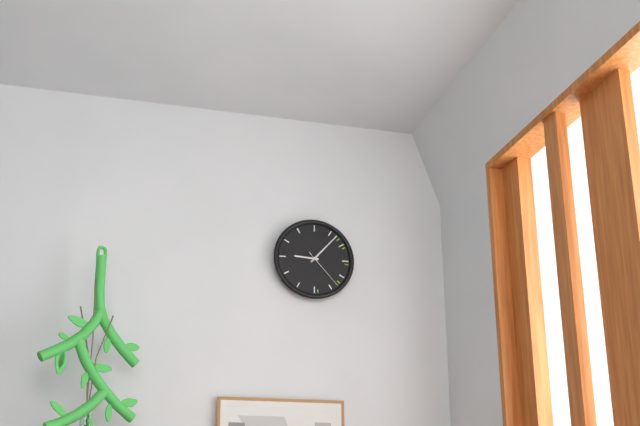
9:07
